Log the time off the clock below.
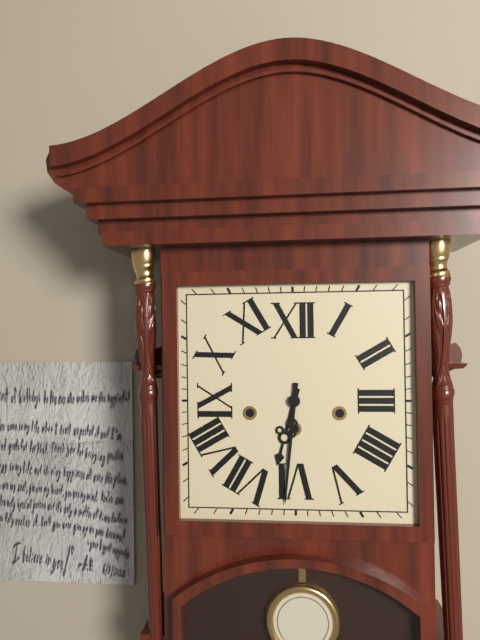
6:31
